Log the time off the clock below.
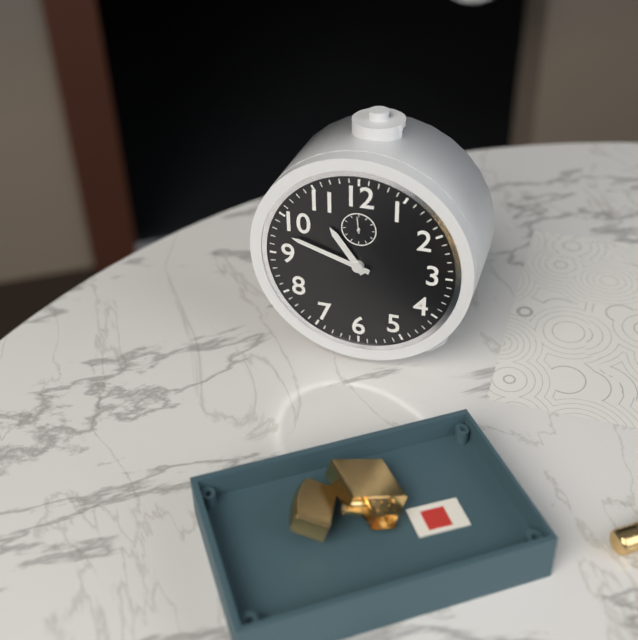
10:48
